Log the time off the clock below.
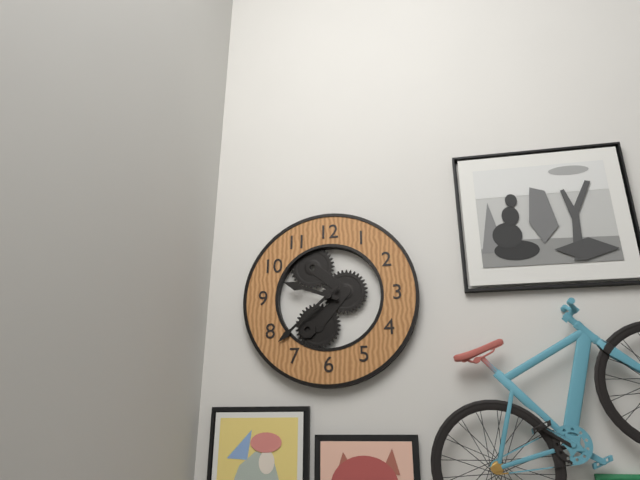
9:38
